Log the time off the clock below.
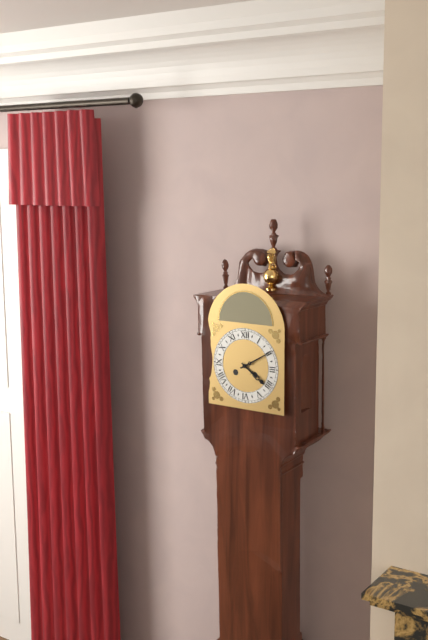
4:10
